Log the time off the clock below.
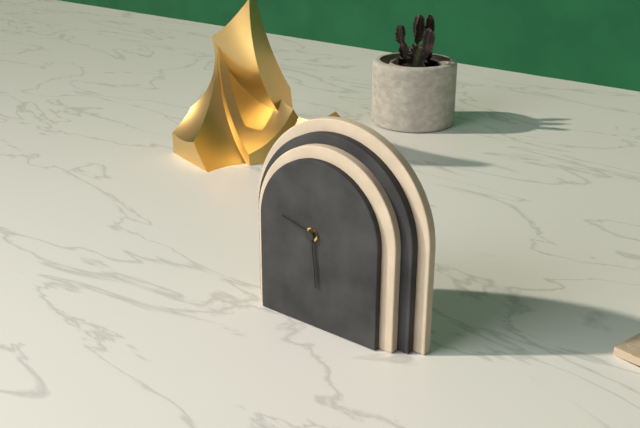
9:29
